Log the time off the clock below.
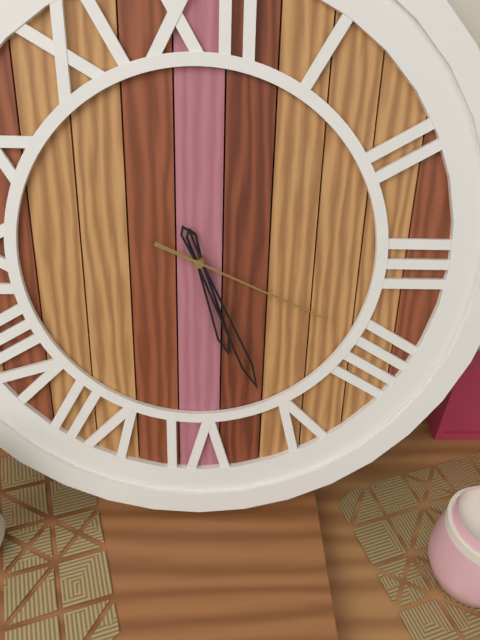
5:26:19
